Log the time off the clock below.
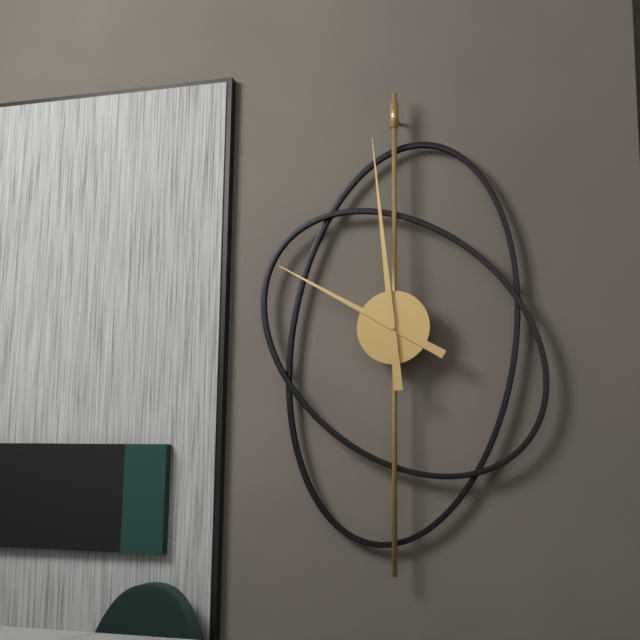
9:59
